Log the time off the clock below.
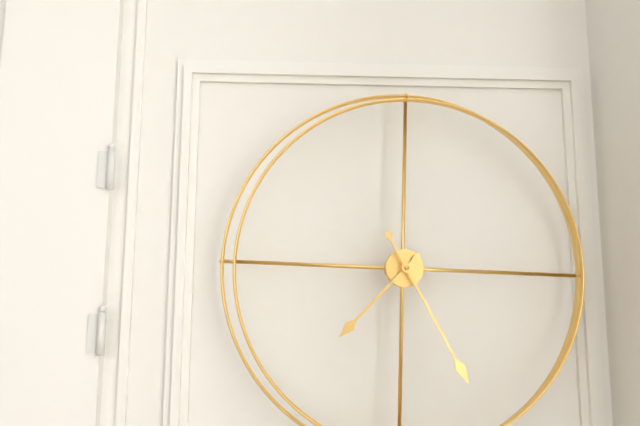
7:25
